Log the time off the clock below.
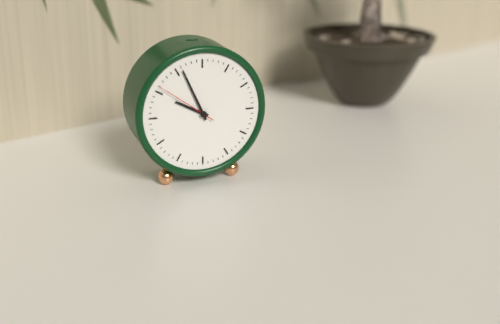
9:56:51
